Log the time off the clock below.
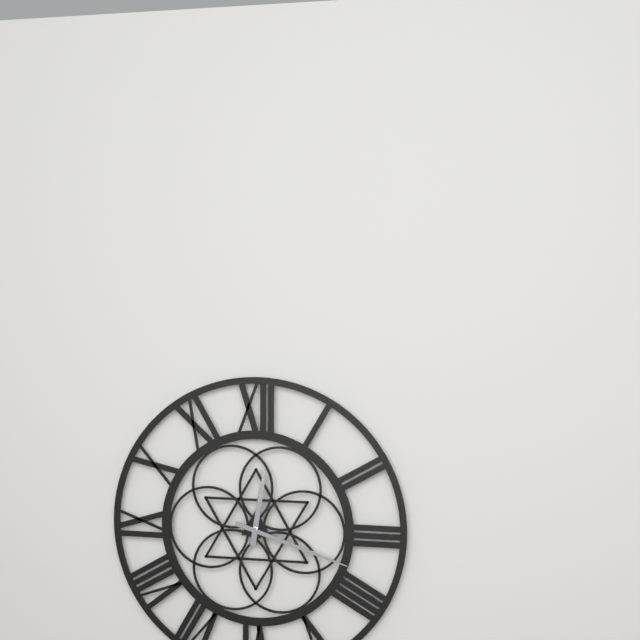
12:18
